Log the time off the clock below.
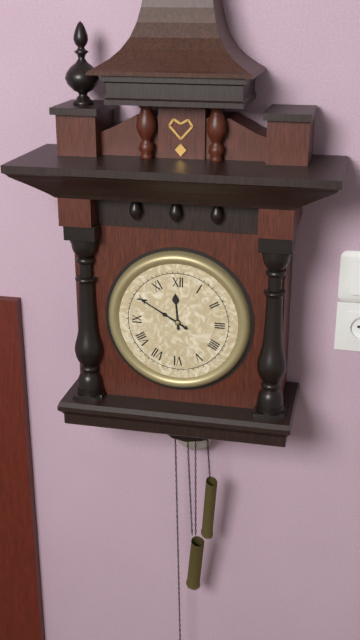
11:50
